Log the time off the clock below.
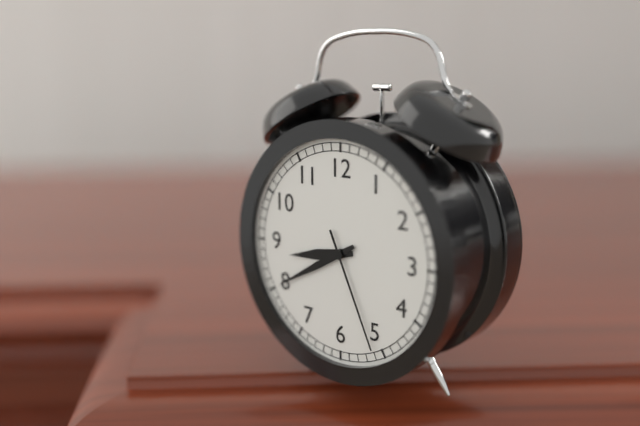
8:40:26
